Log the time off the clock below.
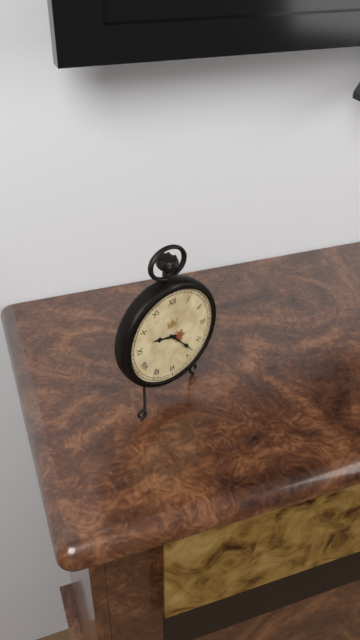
9:23
